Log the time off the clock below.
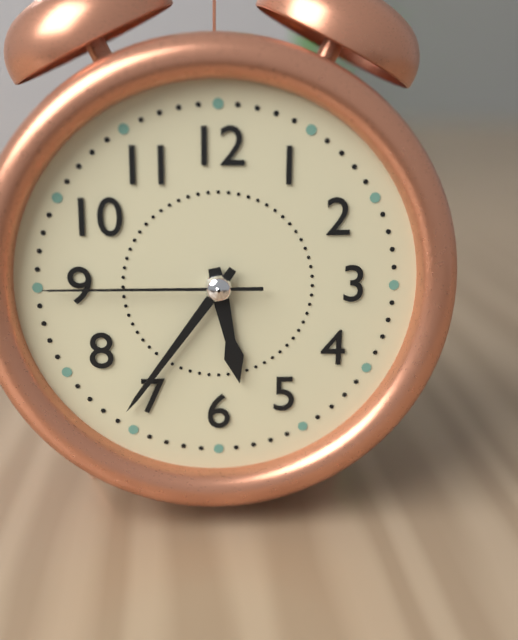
5:36:45
